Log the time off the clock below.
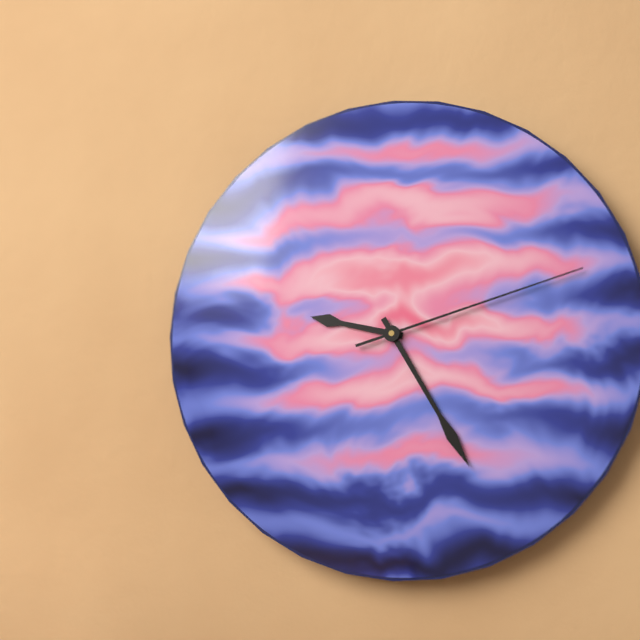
9:25:12
